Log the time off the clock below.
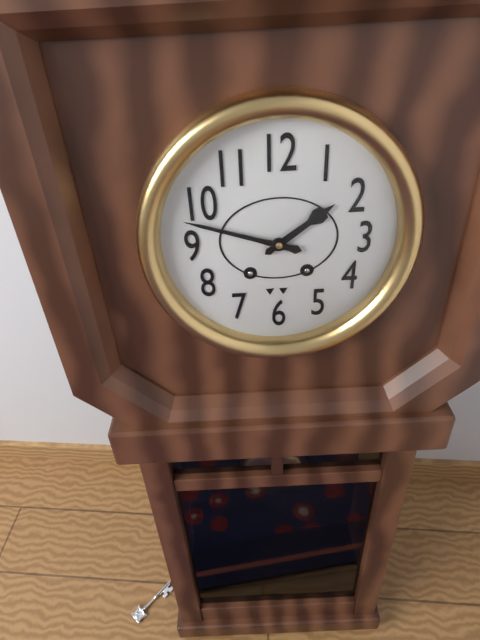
1:48
